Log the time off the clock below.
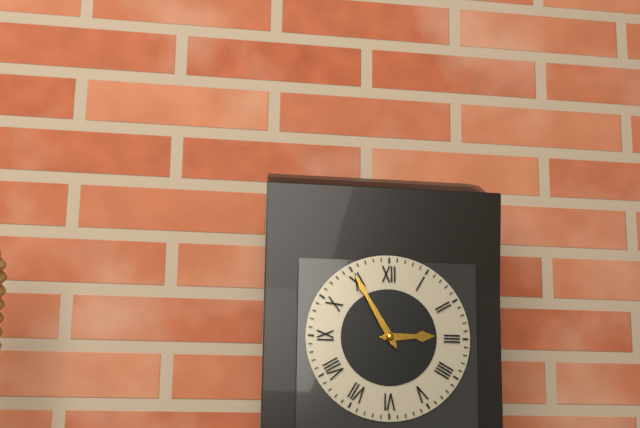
2:55
